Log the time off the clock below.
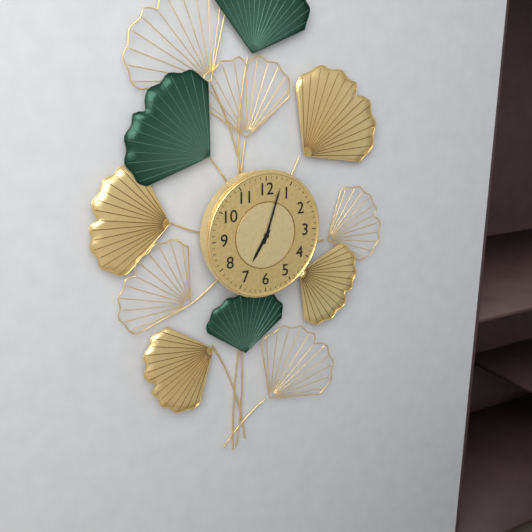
7:03
